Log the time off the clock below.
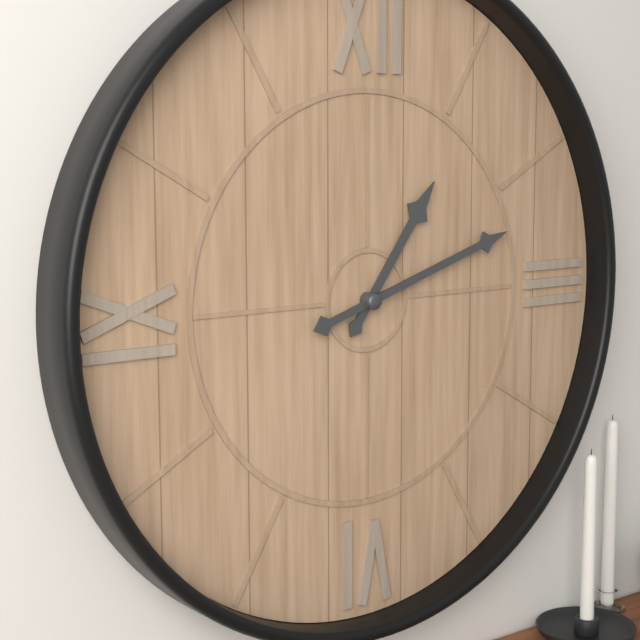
1:12
